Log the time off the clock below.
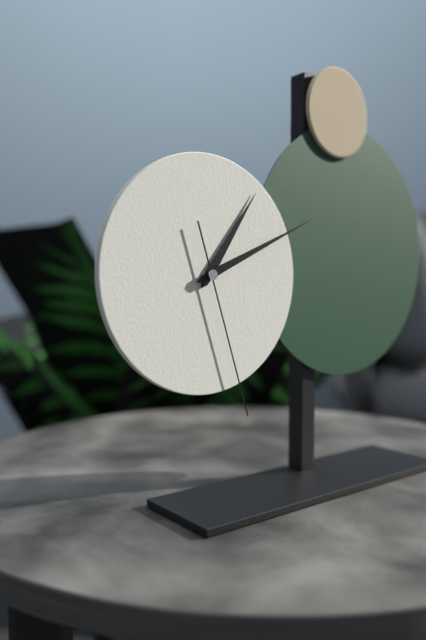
1:11:27
